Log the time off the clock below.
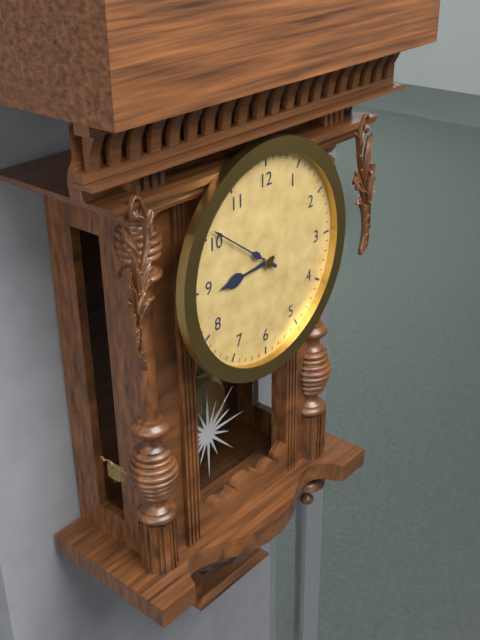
8:51
